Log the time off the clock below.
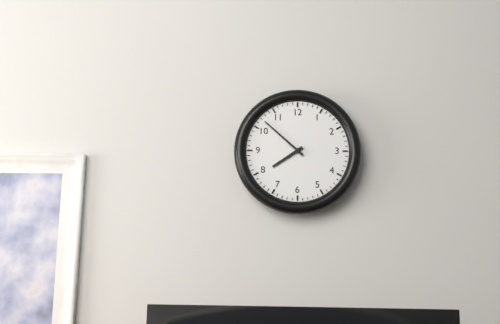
7:52
